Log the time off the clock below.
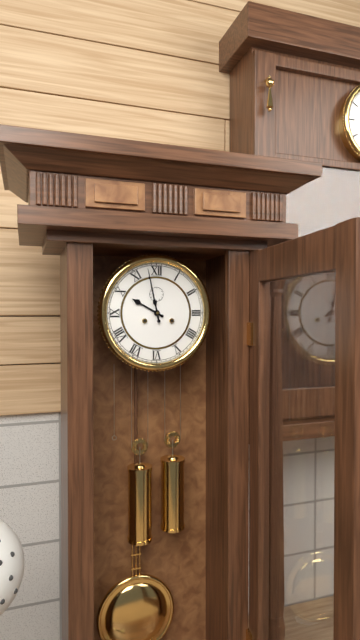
9:58
